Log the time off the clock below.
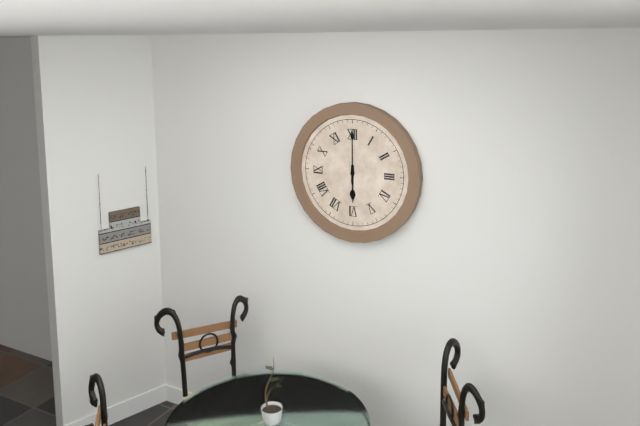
6:00
